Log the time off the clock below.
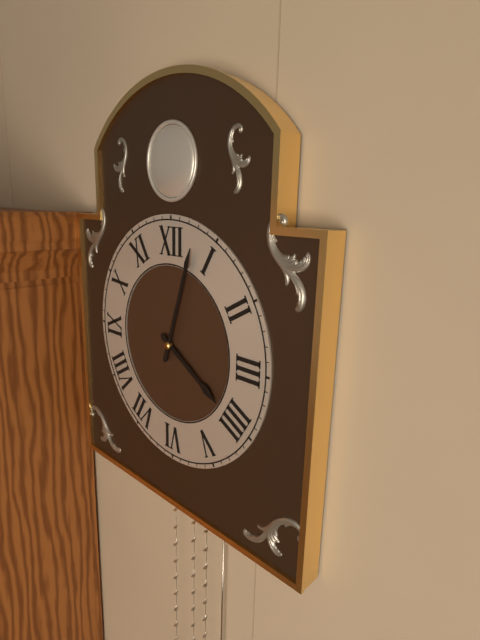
4:03
